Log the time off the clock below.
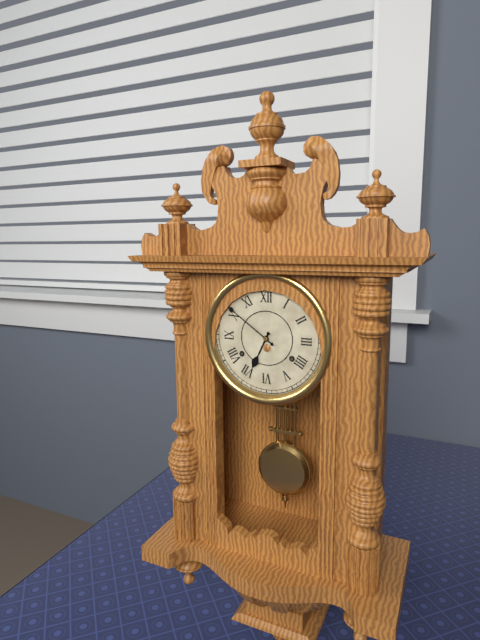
6:51
